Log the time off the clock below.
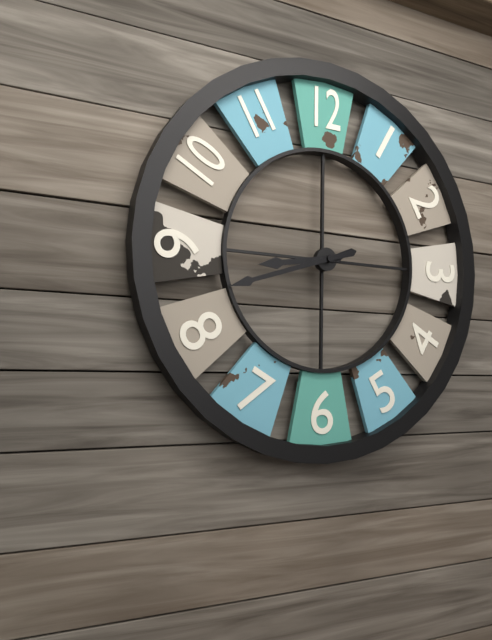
8:42
